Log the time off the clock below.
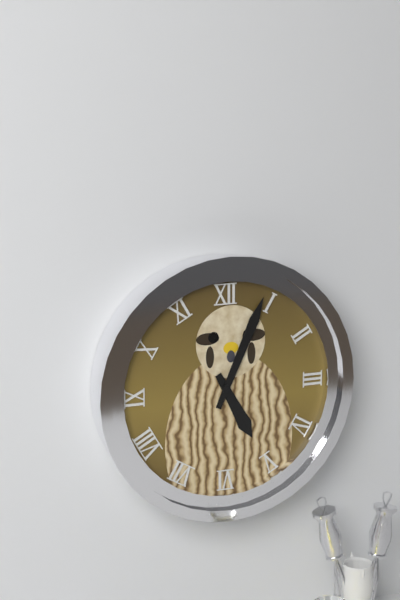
5:04
